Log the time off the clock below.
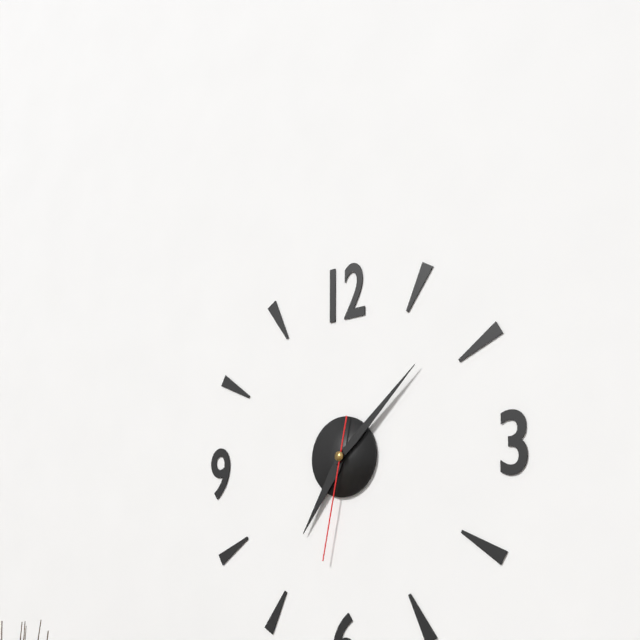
7:08:32
